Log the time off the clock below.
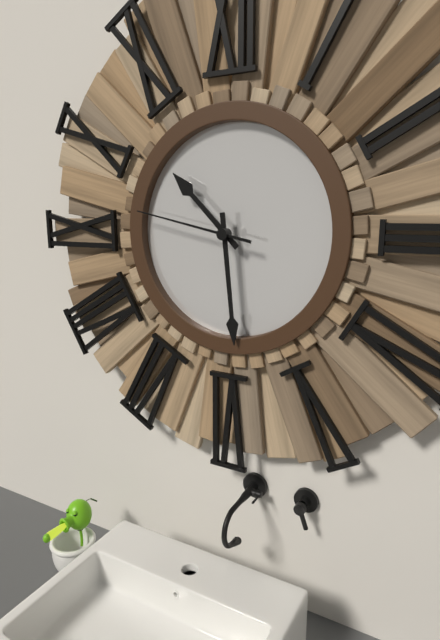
10:29:47
